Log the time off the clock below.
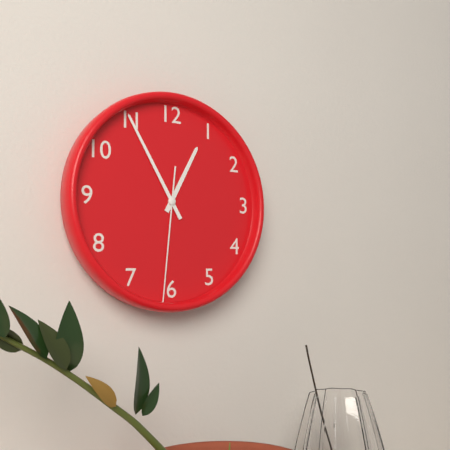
12:55:31
